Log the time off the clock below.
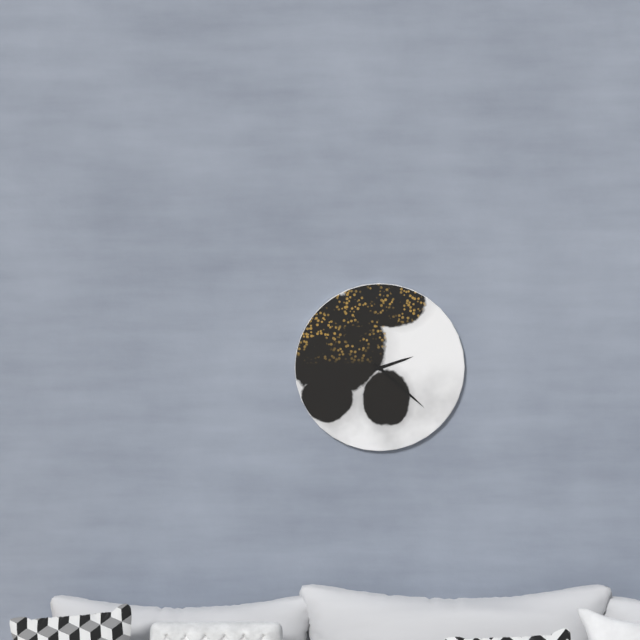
2:22
